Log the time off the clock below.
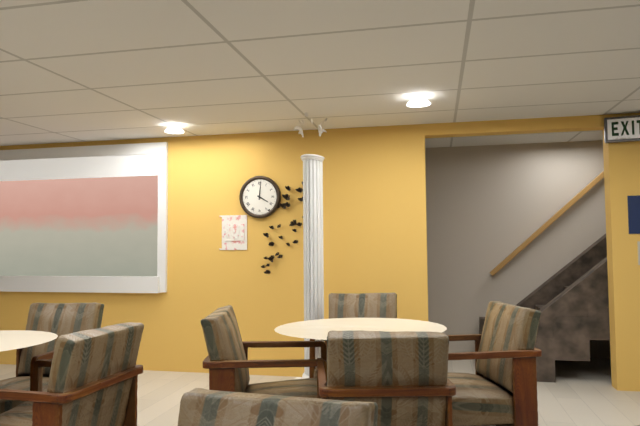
4:01
